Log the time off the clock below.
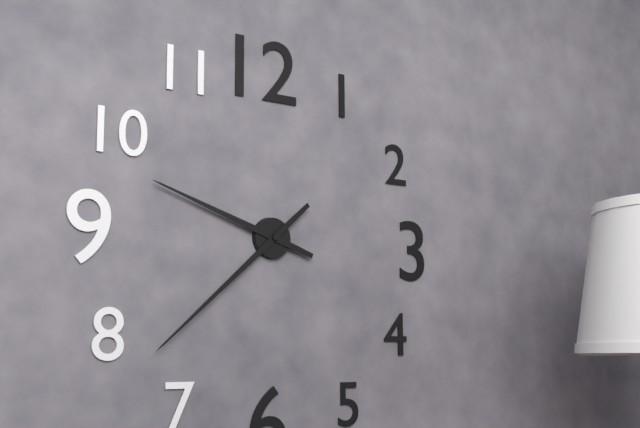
9:38
